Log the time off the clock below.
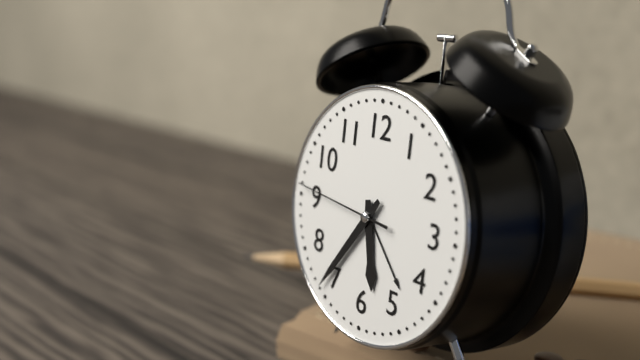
5:36:46
